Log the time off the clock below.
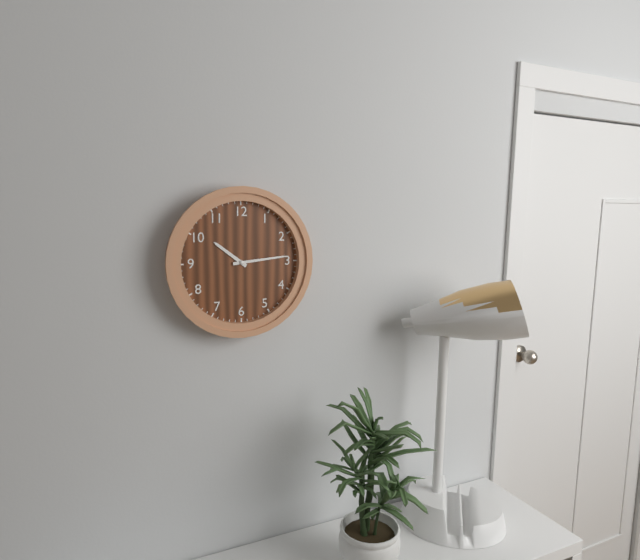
10:14
